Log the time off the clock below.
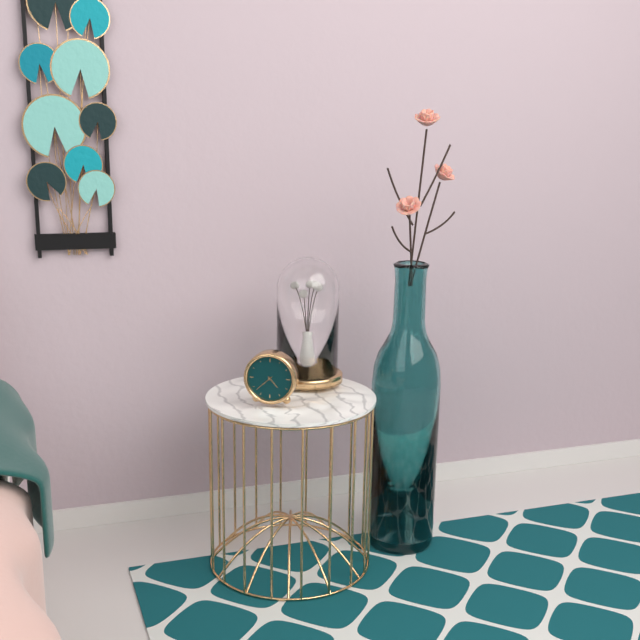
4:38
